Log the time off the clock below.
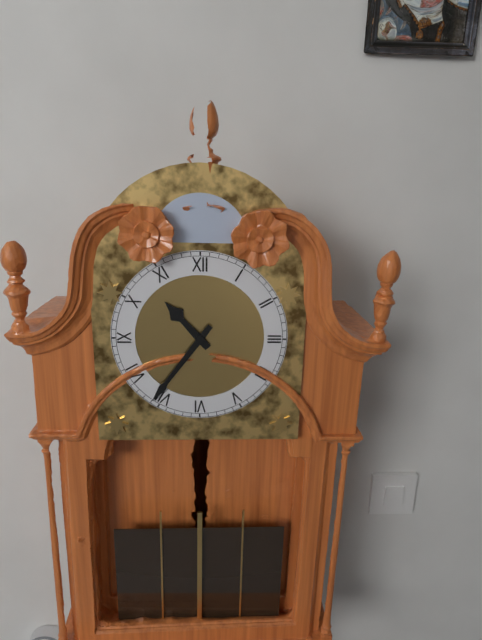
10:36
